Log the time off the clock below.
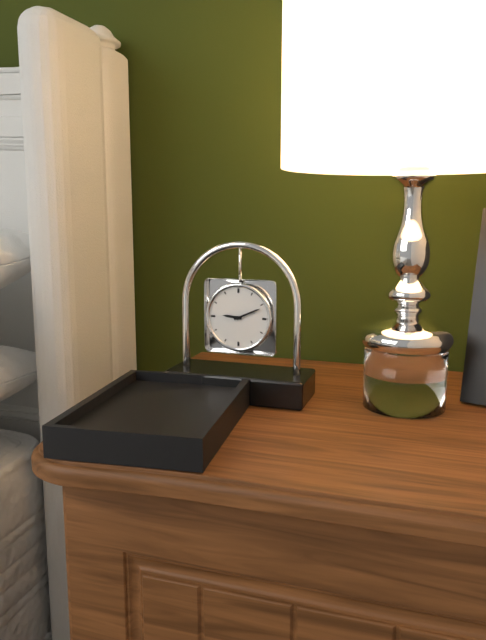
9:11
